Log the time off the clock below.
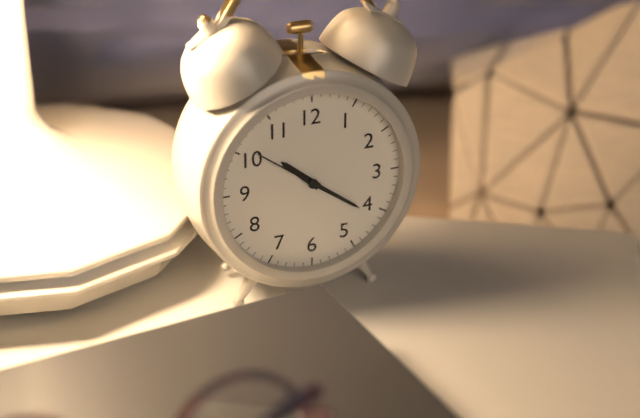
10:21:51
